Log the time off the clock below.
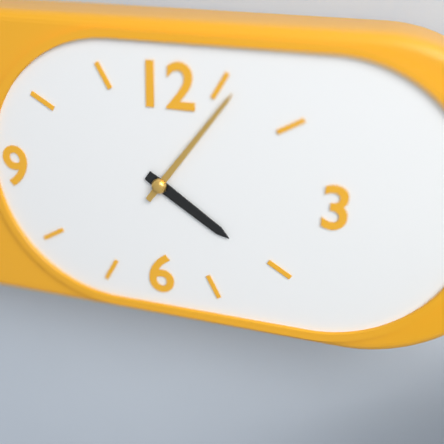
4:06
